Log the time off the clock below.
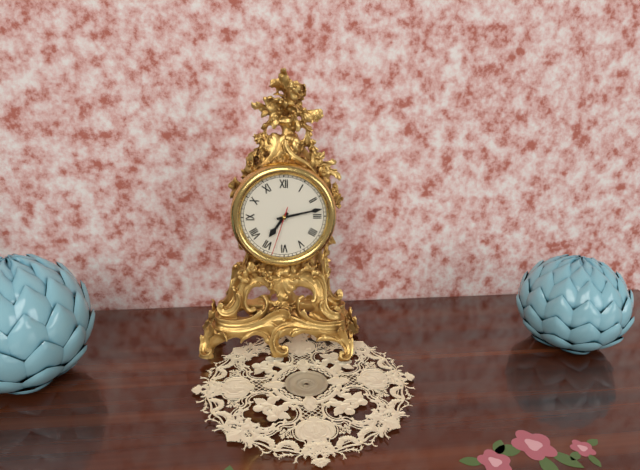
7:13
